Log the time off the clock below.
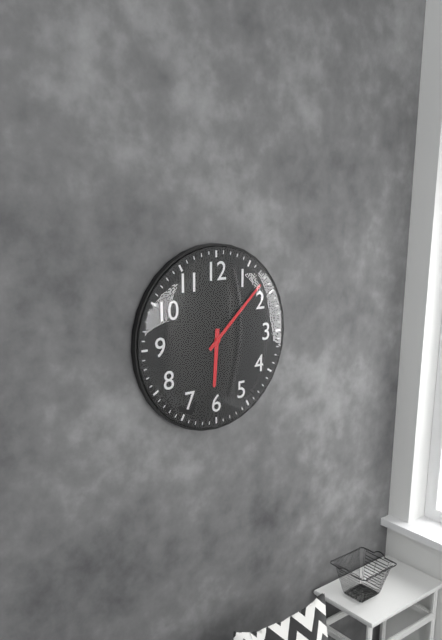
6:08
